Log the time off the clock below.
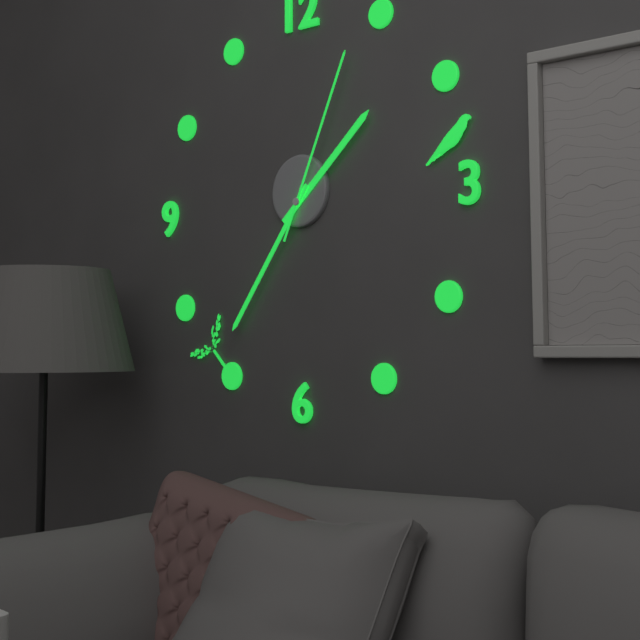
1:36:04
